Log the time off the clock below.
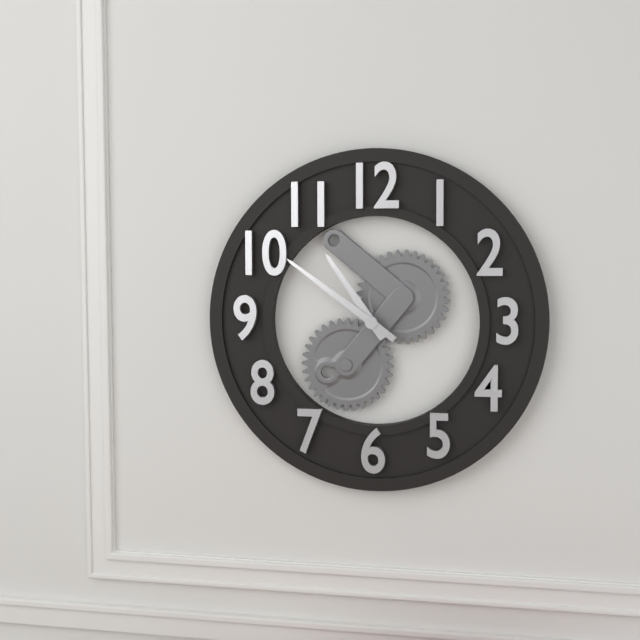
10:51
